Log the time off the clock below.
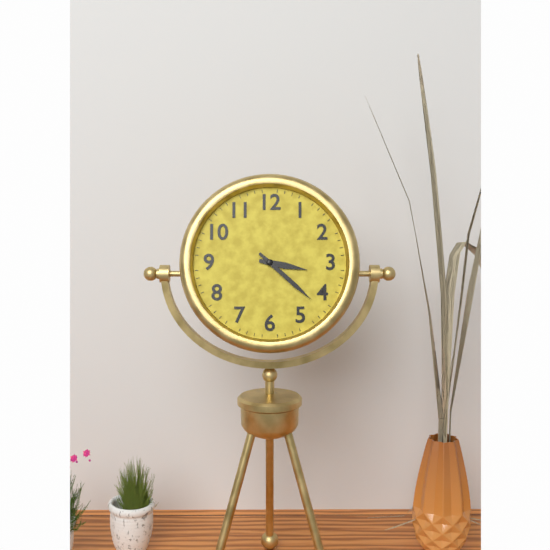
3:22
